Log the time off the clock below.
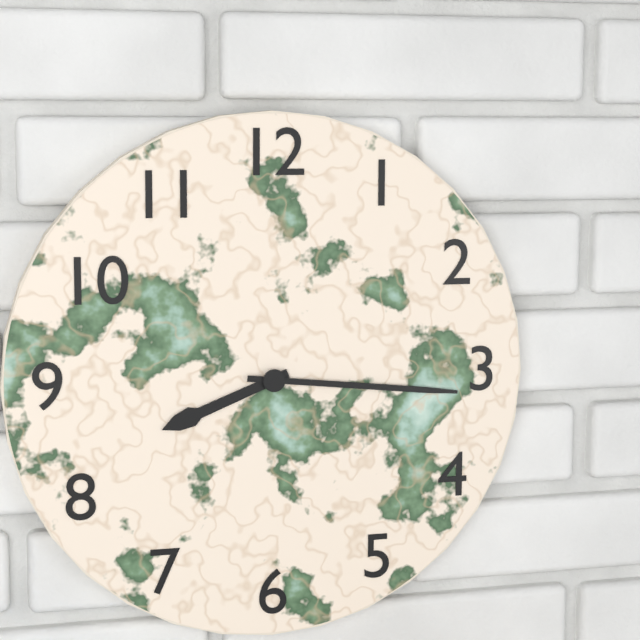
8:16
